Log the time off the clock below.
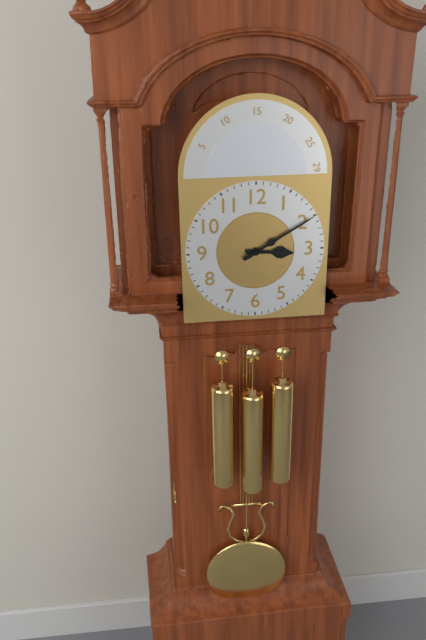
3:10
